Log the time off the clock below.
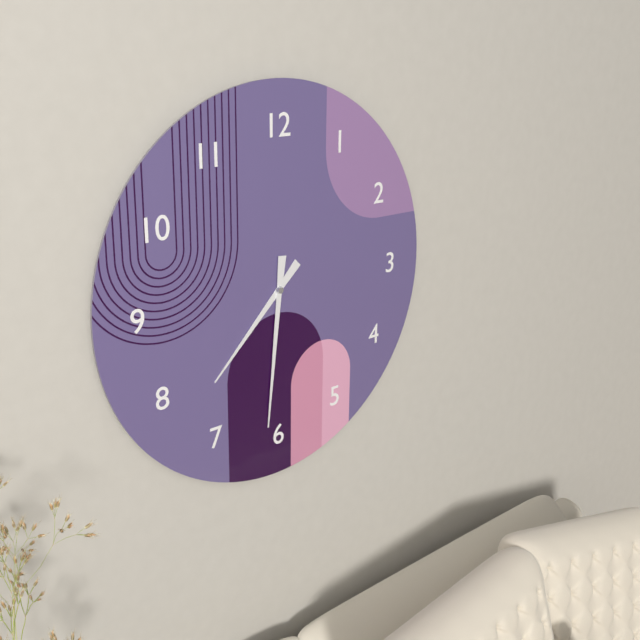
7:31
